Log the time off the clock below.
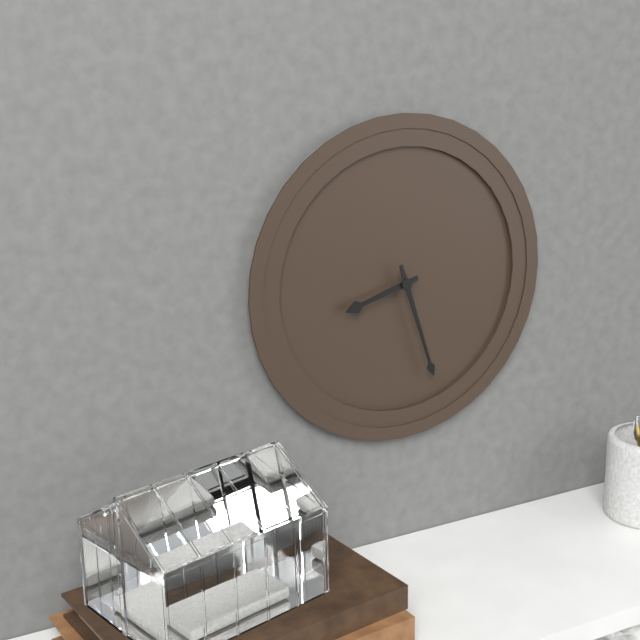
8:27
